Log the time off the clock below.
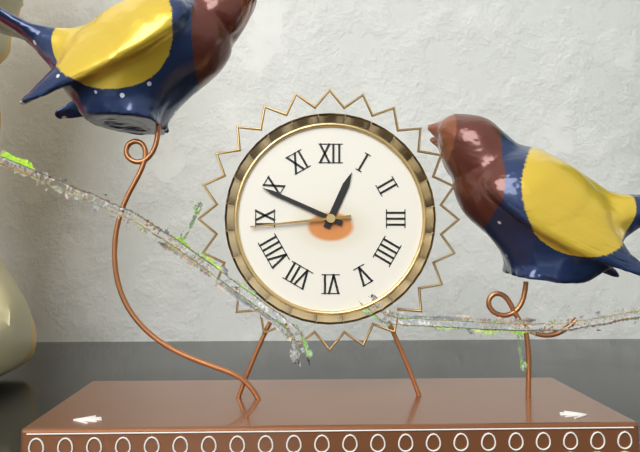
12:49:44
